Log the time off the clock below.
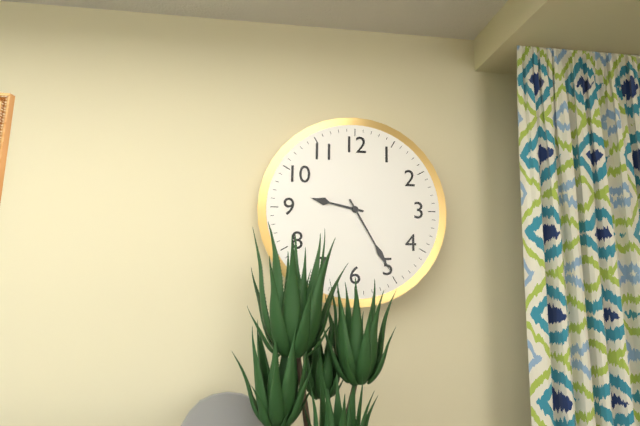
9:25
